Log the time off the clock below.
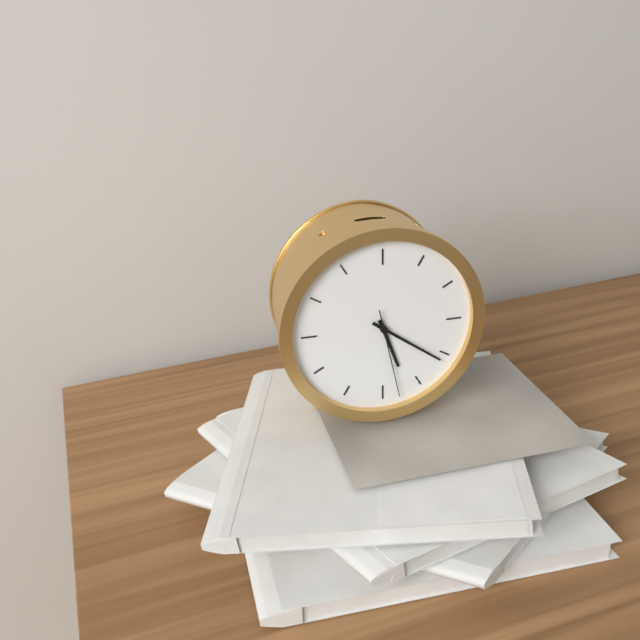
5:21:28
